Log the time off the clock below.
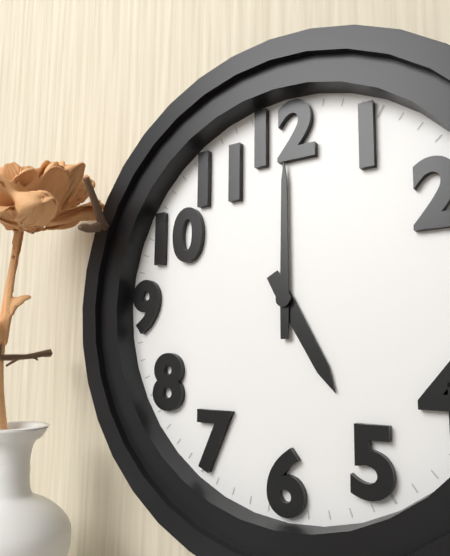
5:00
